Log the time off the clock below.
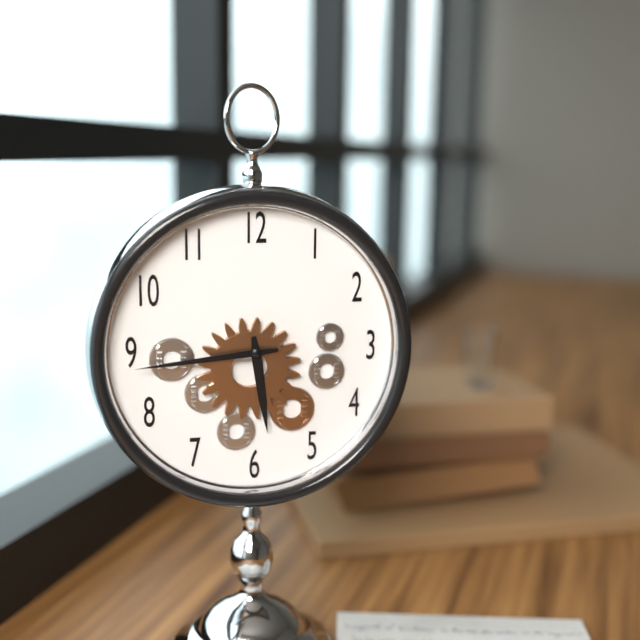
5:44
